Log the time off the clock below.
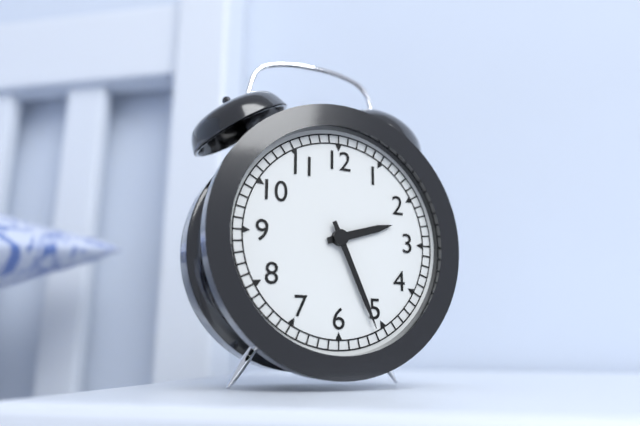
2:26
